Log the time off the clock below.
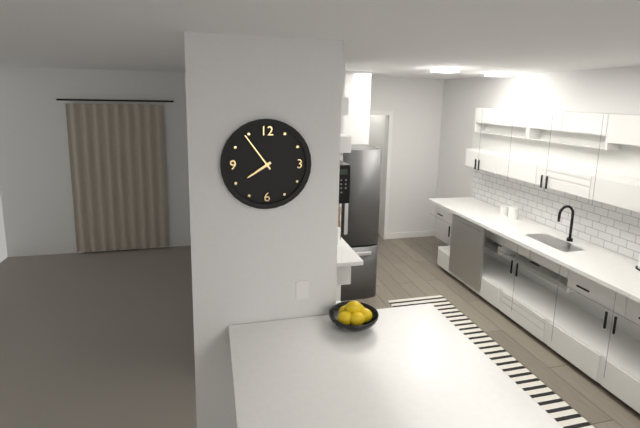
7:54
